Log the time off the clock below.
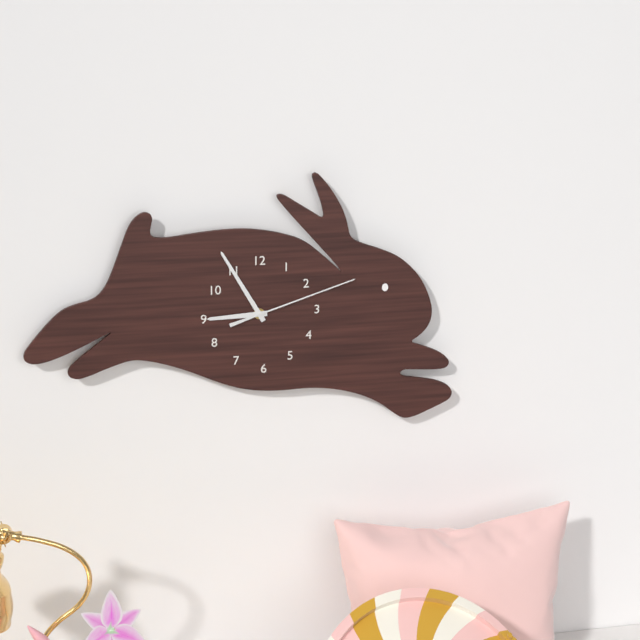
8:55:12
